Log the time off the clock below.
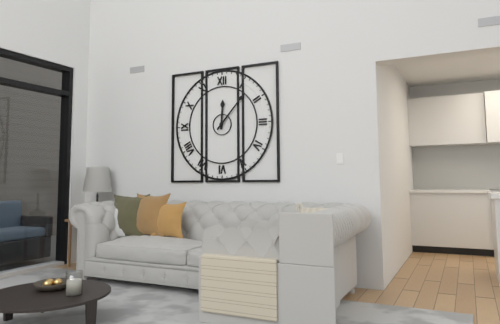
12:07
